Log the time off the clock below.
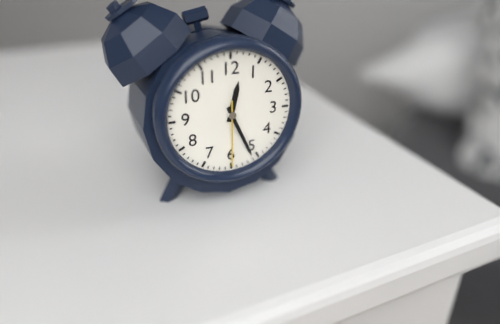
12:26:30
